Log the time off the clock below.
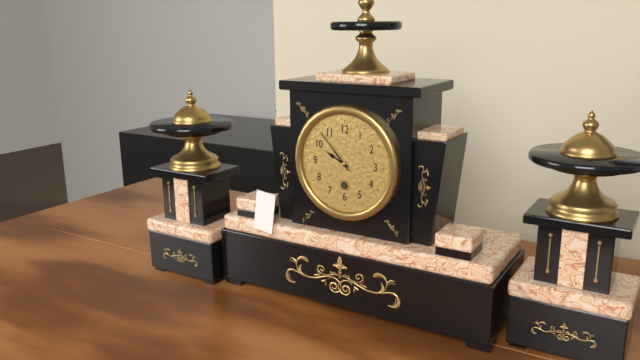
9:53
